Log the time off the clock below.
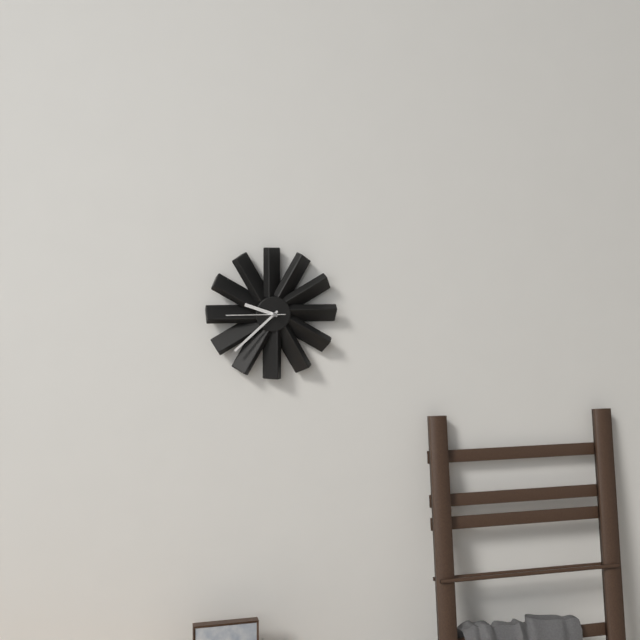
9:38:45
